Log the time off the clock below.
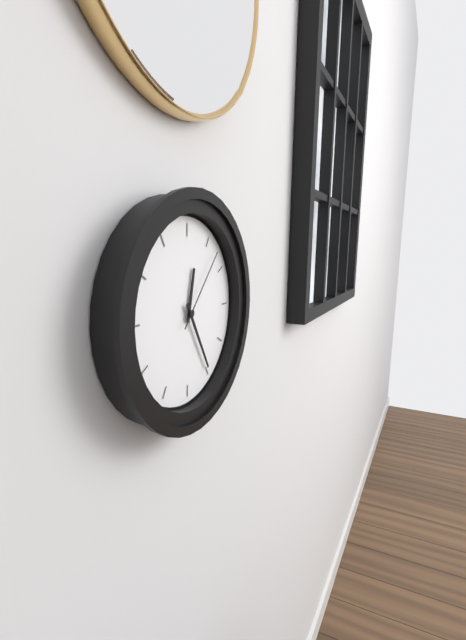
12:25:07
